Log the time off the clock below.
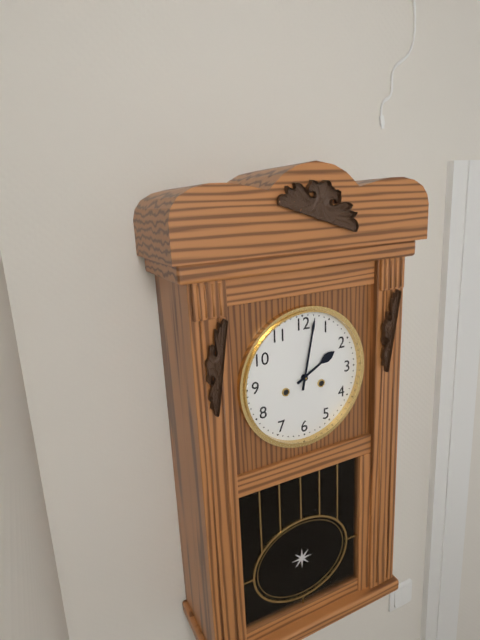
2:02
